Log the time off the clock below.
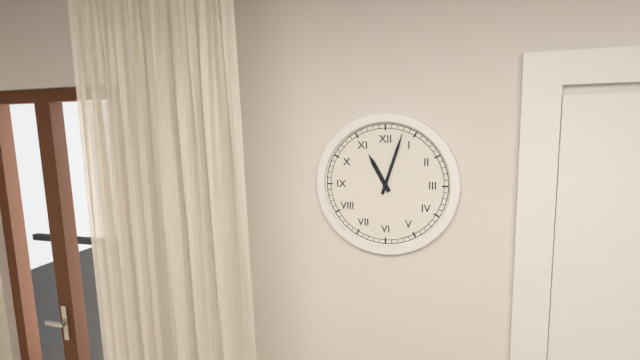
11:03
